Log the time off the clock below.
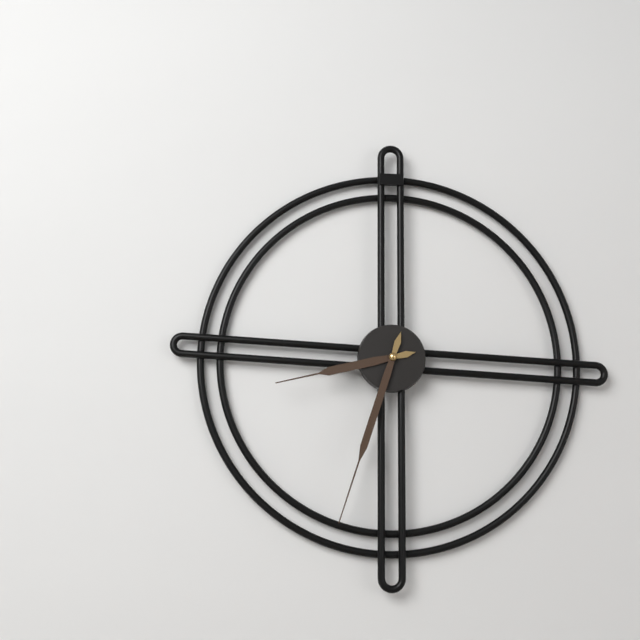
8:33
